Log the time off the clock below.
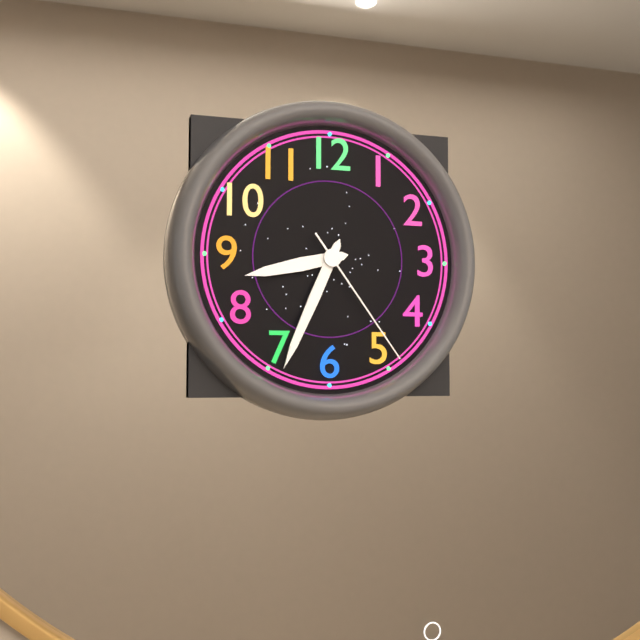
8:34:24
